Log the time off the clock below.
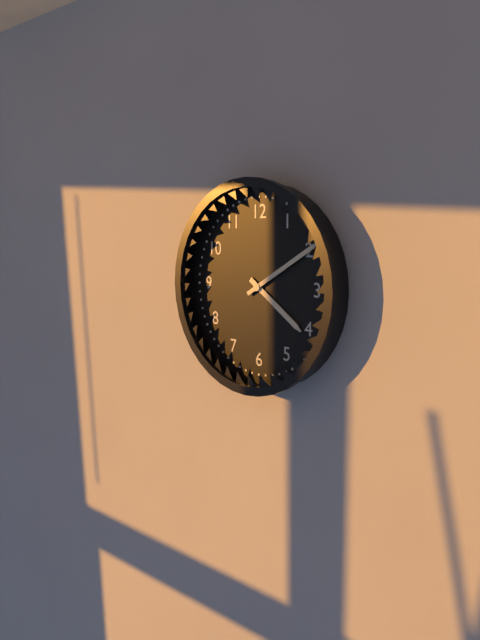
4:10
